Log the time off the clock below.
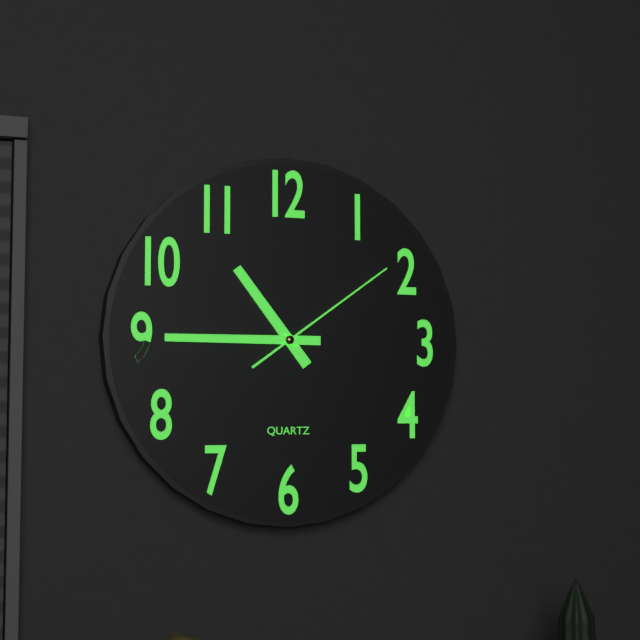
10:45:09
